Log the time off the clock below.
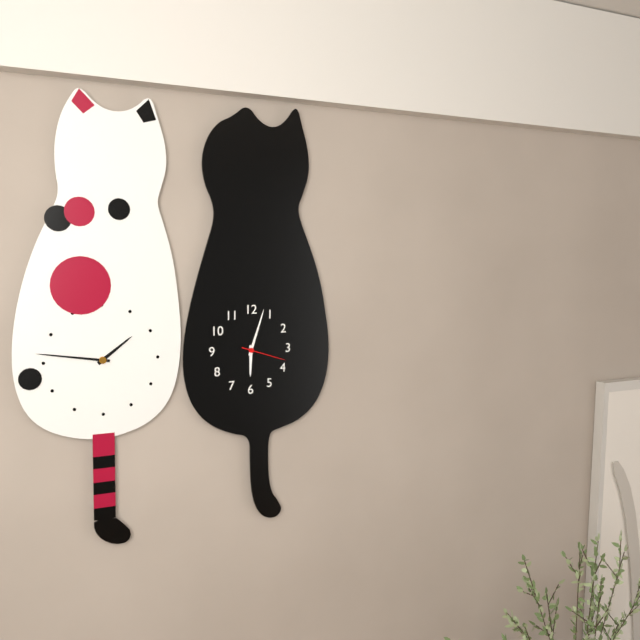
6:03:18
